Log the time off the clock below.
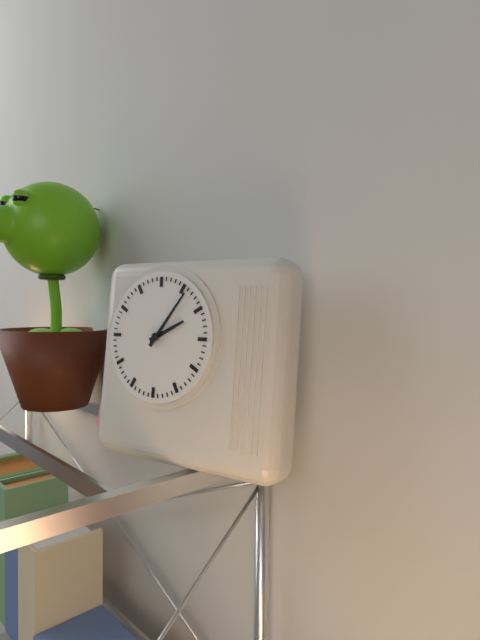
2:06
